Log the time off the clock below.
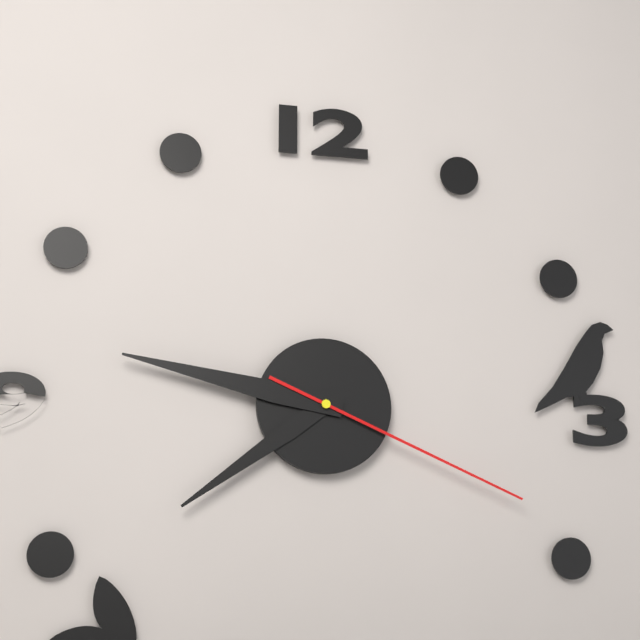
7:47:19
